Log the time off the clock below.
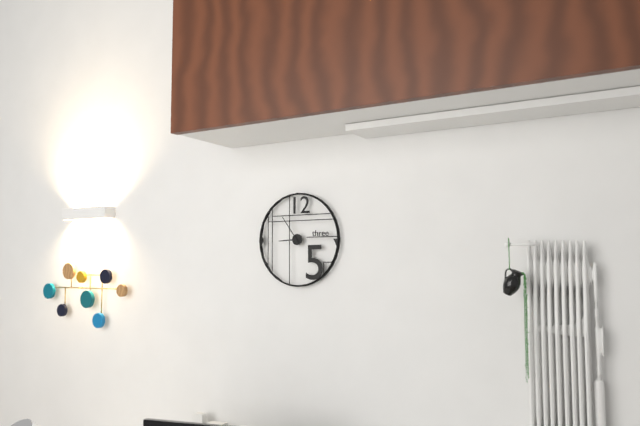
8:54
